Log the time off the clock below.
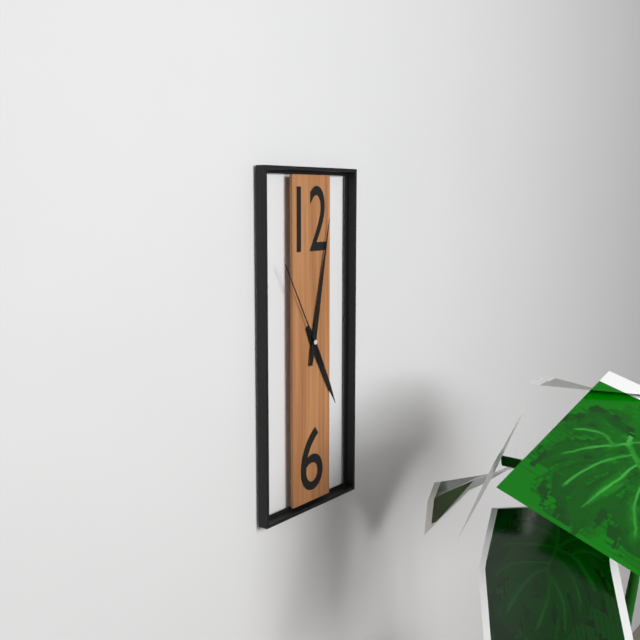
5:02:55
